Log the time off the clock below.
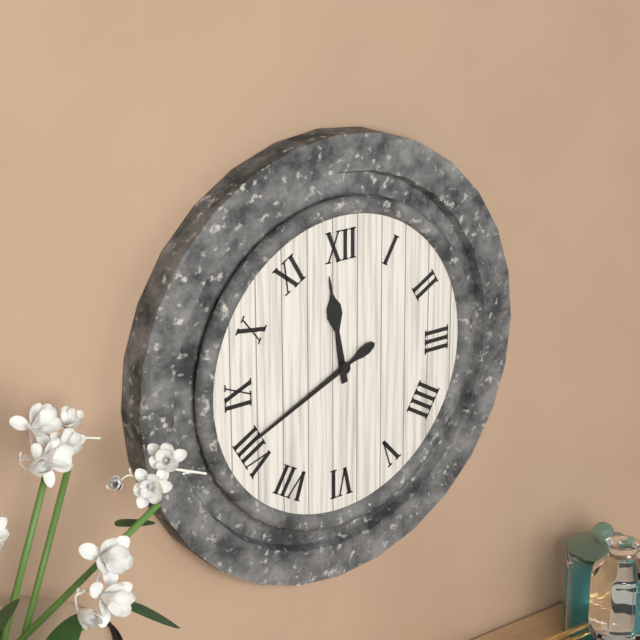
11:41
